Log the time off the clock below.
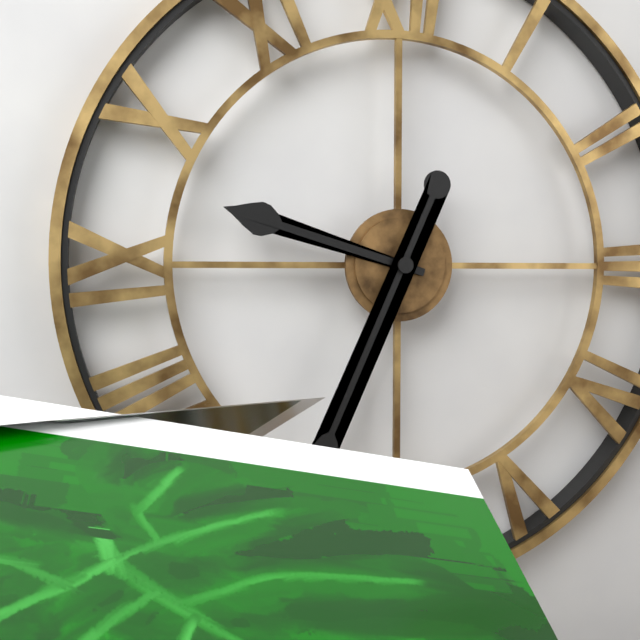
9:34
